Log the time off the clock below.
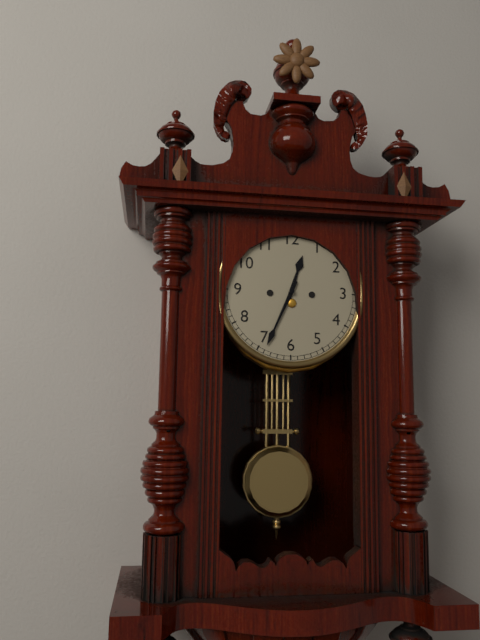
12:34
